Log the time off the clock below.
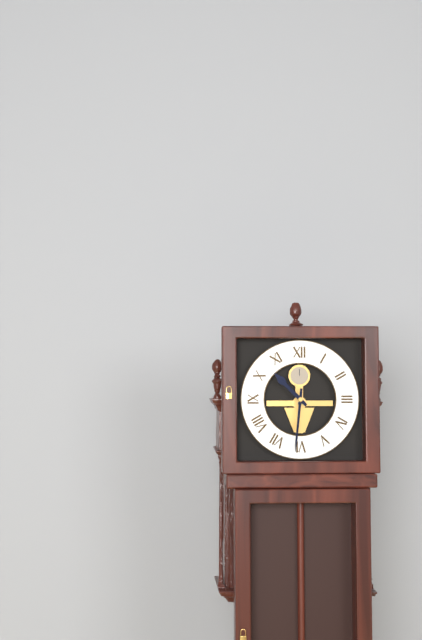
10:31
